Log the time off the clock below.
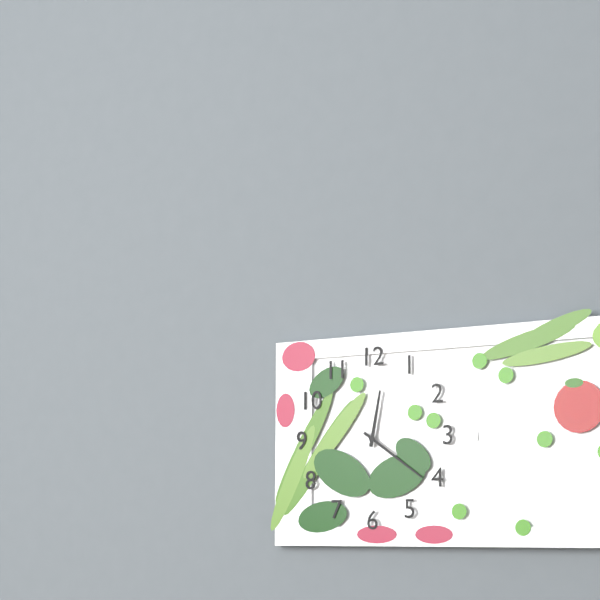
12:21
